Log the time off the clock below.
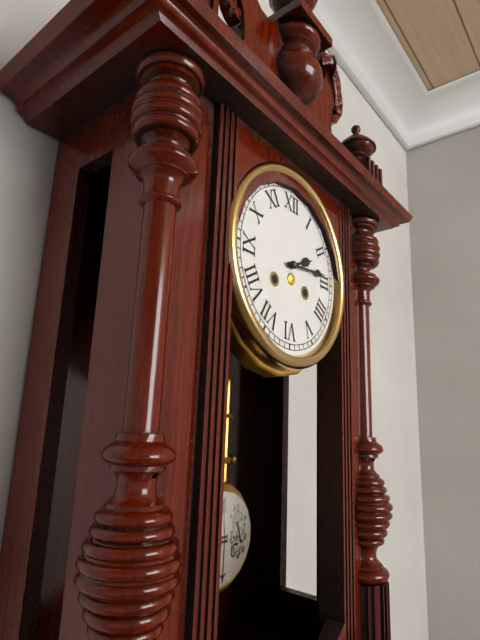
2:14
